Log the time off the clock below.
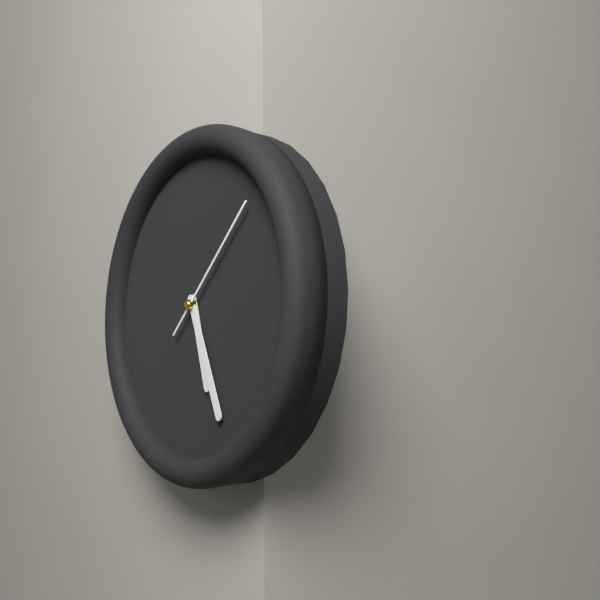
5:26:08
